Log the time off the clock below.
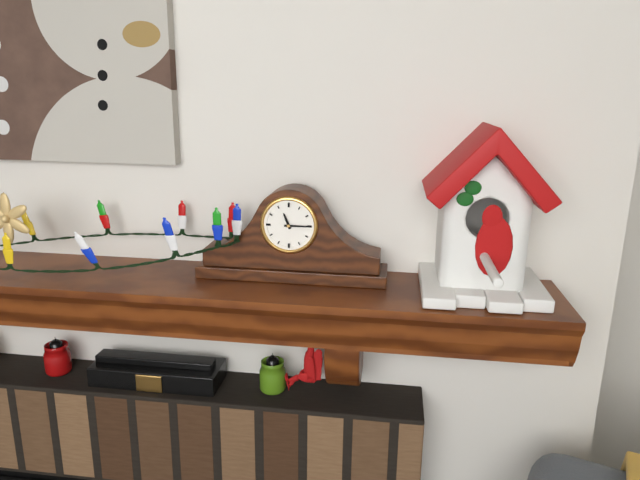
11:15
